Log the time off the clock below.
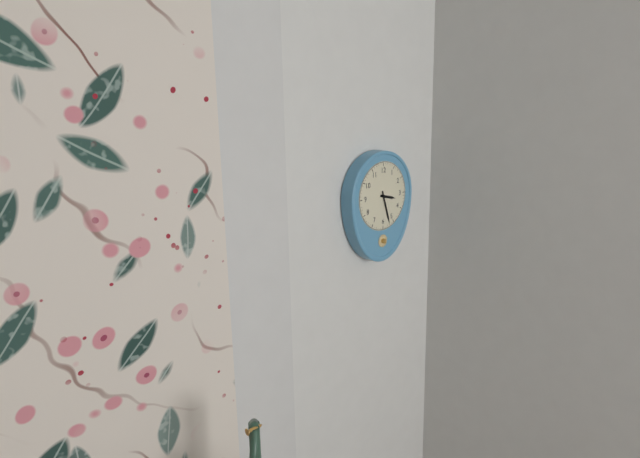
3:27
